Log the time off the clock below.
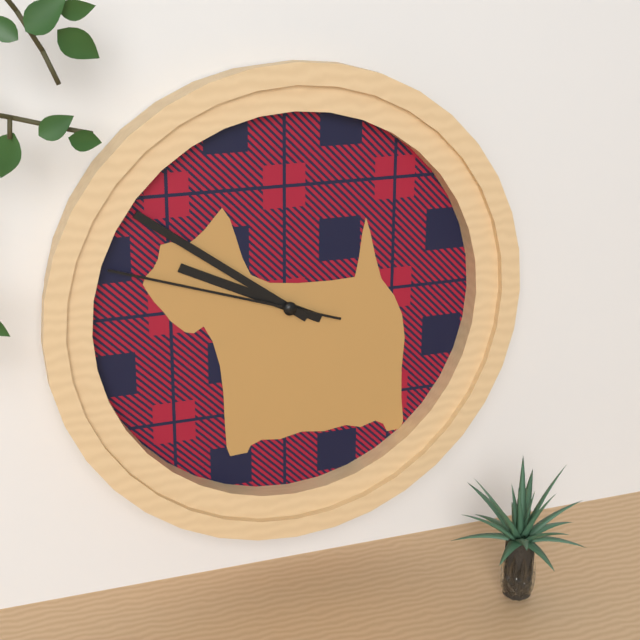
9:51:48
